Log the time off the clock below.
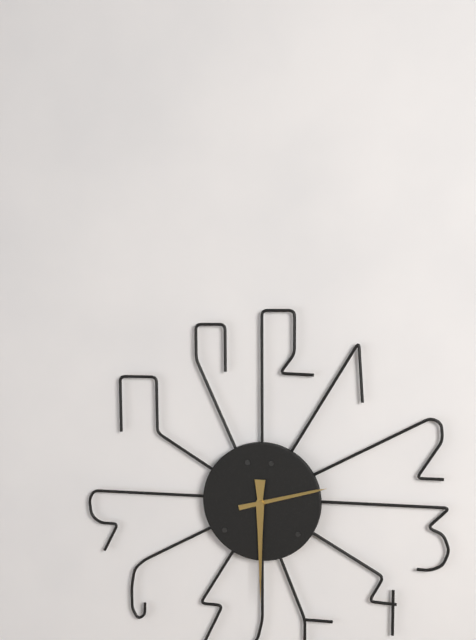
2:30
